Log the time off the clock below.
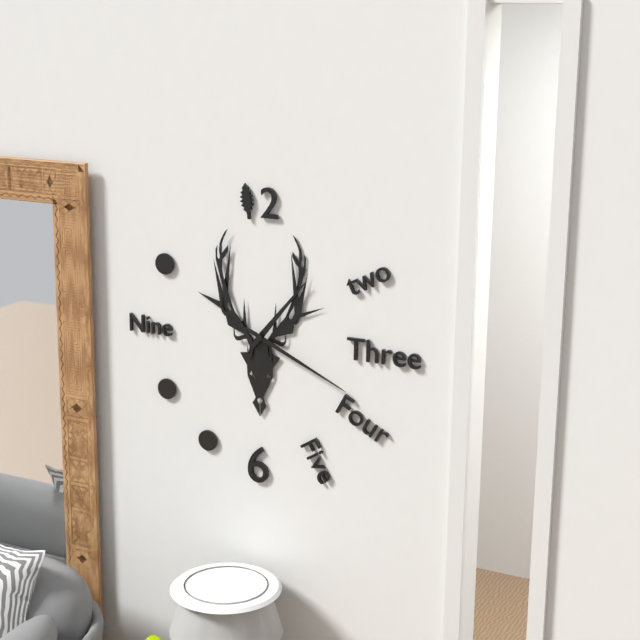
1:19
